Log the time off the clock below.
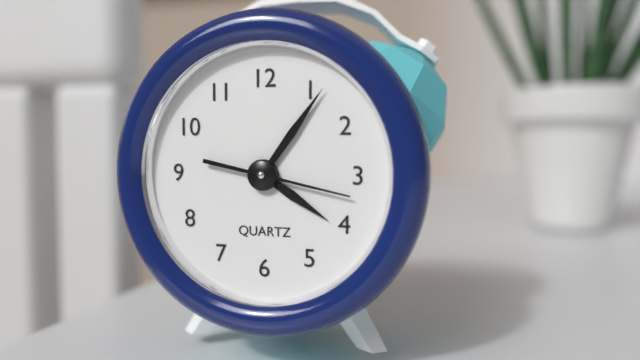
4:06:17
